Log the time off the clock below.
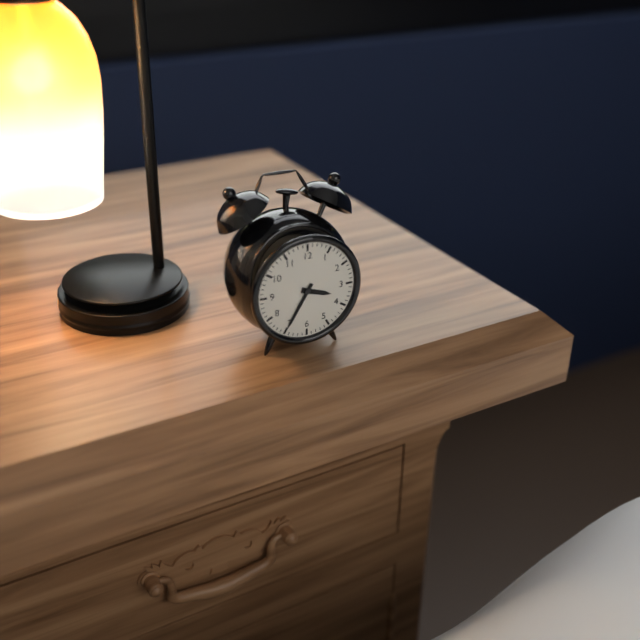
3:35
